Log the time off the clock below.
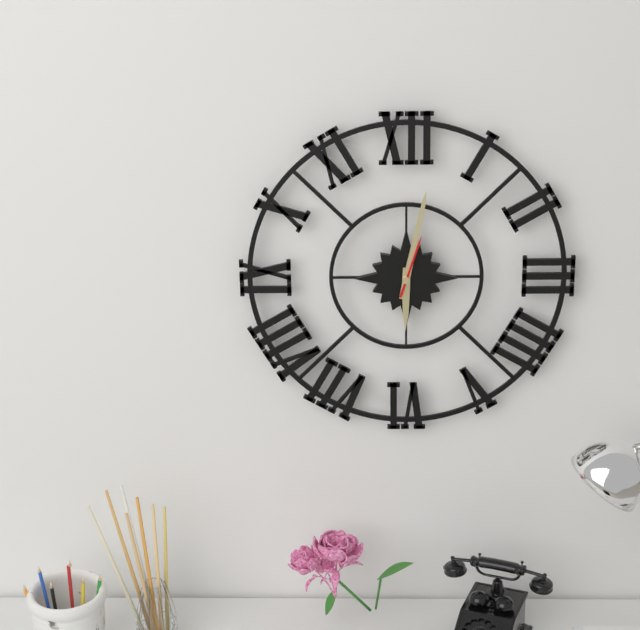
6:02:03
